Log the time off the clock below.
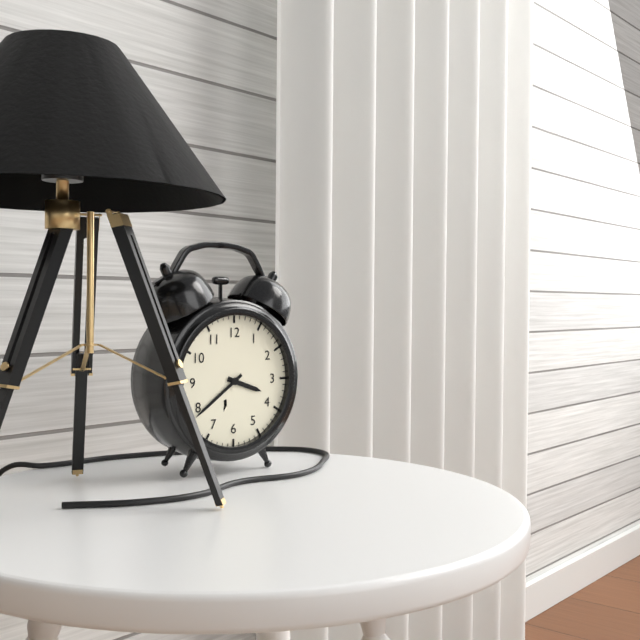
3:39
